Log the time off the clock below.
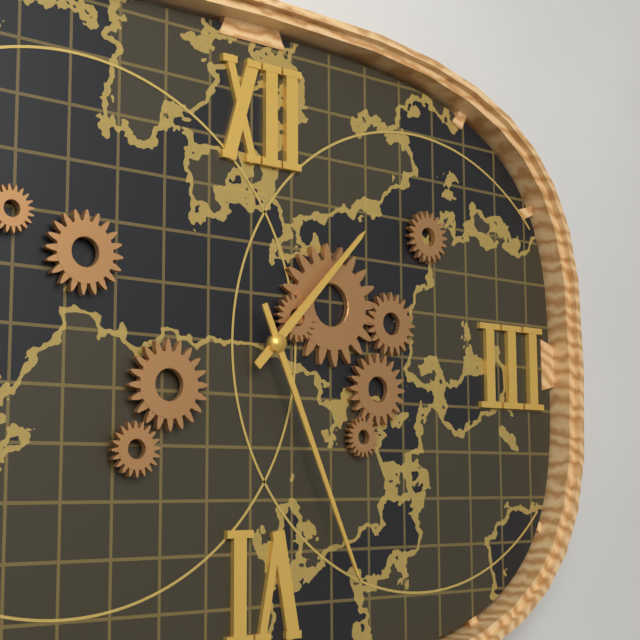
1:26
